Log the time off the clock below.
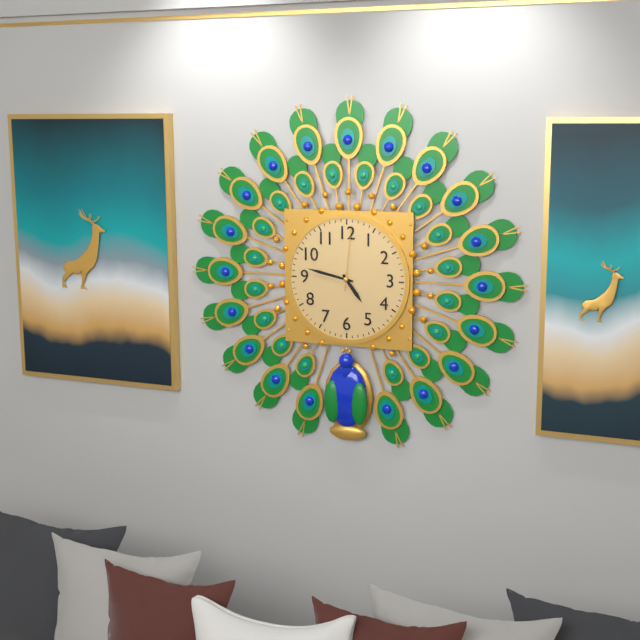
4:47:01
